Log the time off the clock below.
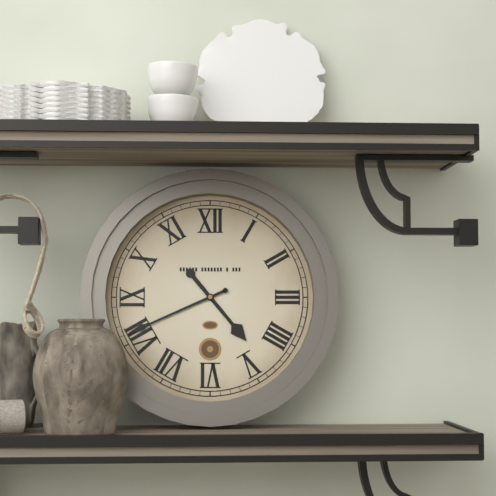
4:41
